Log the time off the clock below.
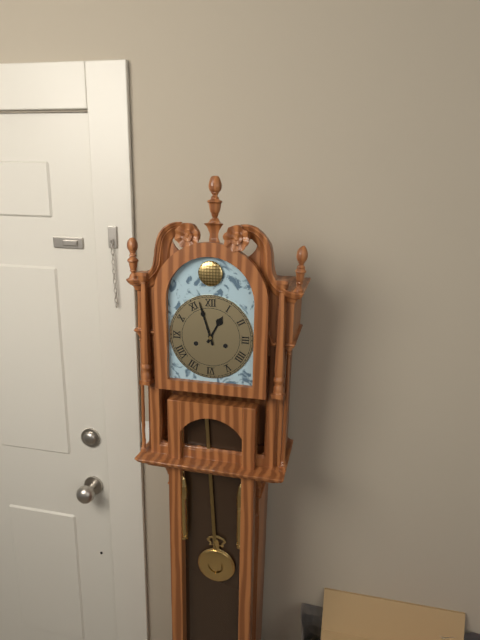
12:57
